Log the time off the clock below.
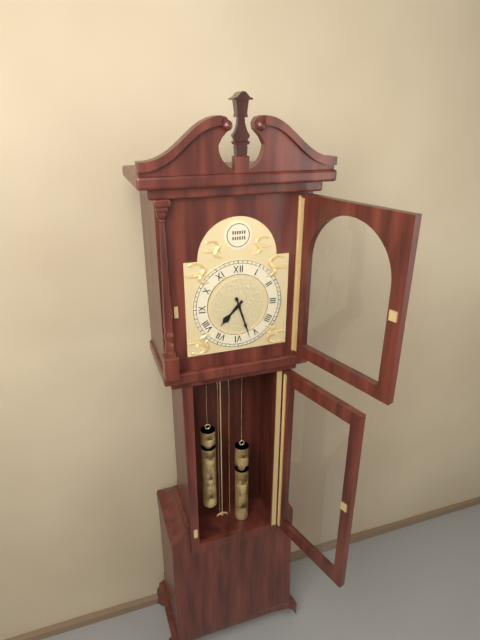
7:27
